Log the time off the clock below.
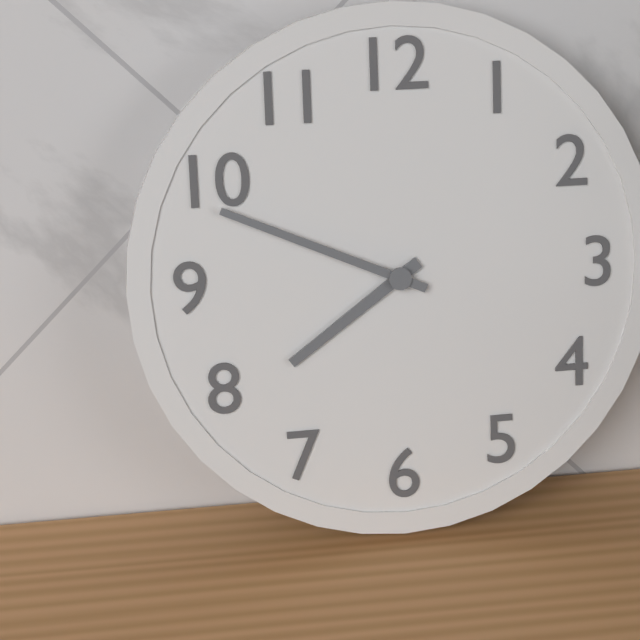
7:49
